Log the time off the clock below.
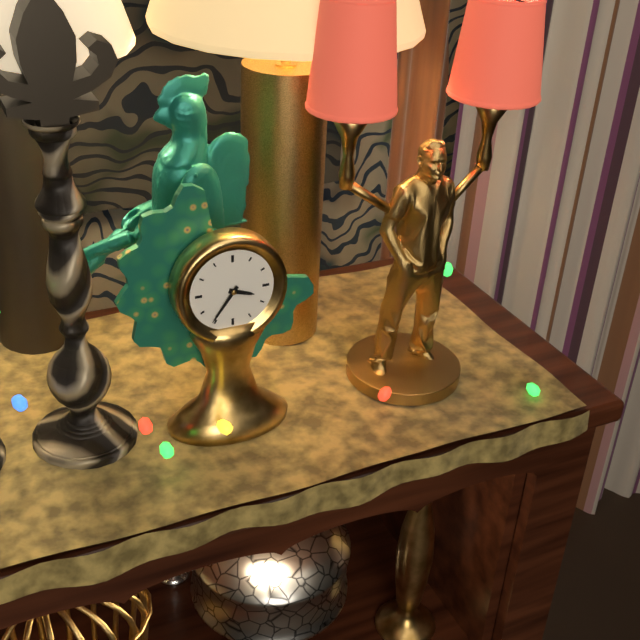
3:36
